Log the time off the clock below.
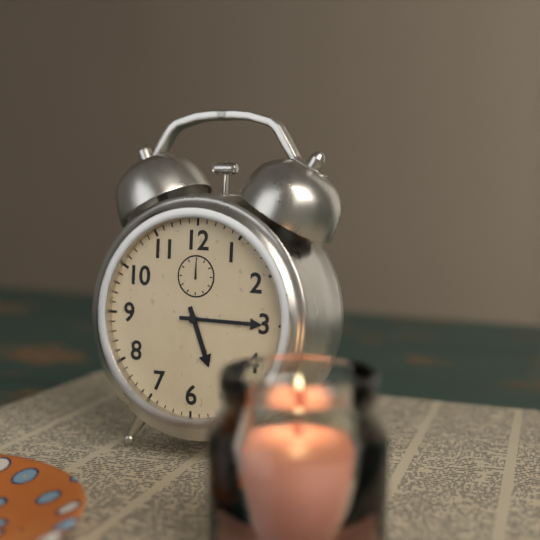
5:15
